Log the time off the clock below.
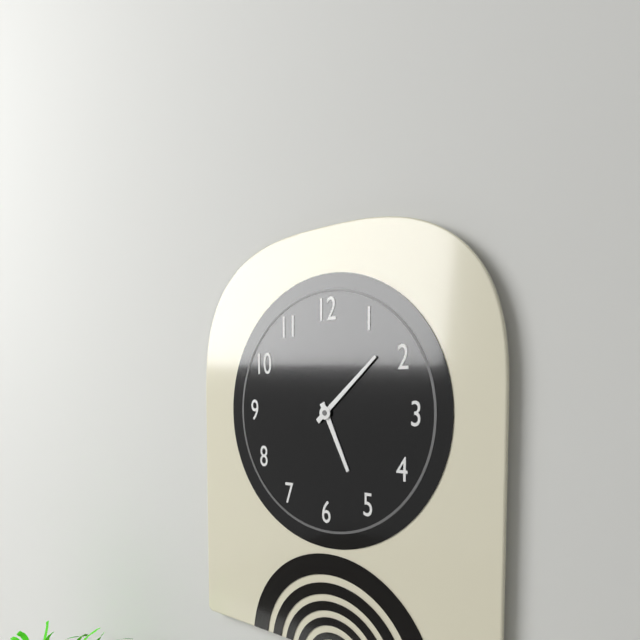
5:08
